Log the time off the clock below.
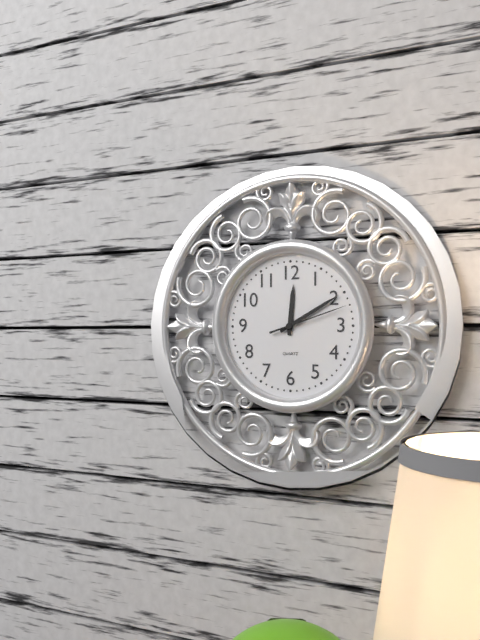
12:10:12
